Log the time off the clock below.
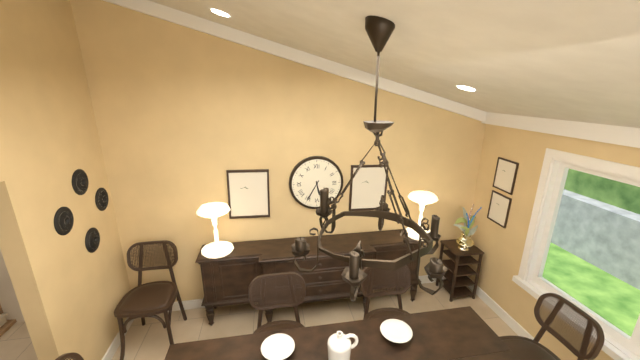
5:35
